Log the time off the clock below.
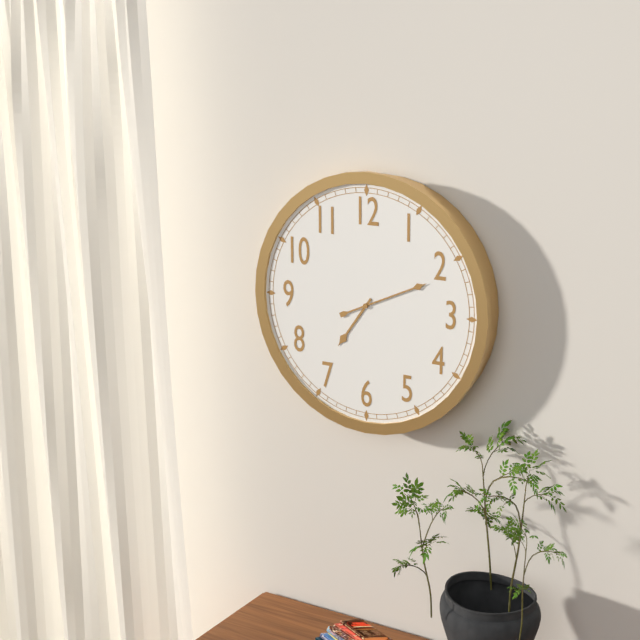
7:11
